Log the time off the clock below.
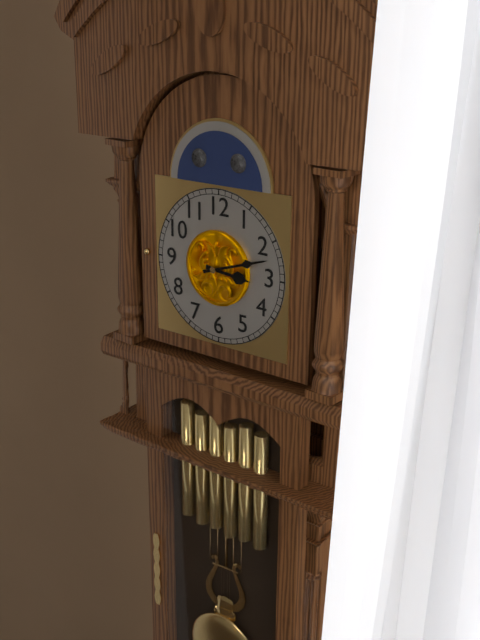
3:12
